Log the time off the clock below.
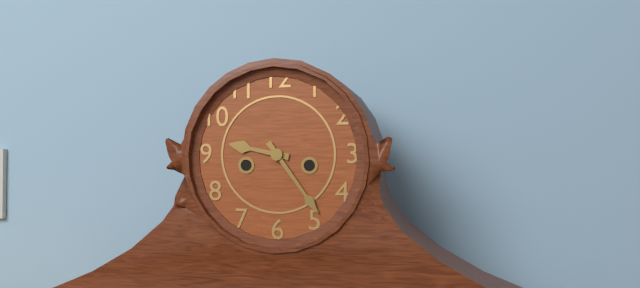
9:24
